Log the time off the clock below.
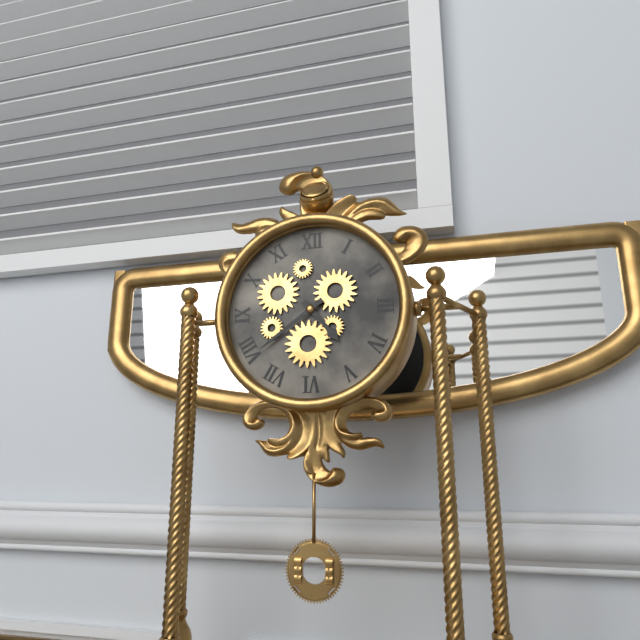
4:39
